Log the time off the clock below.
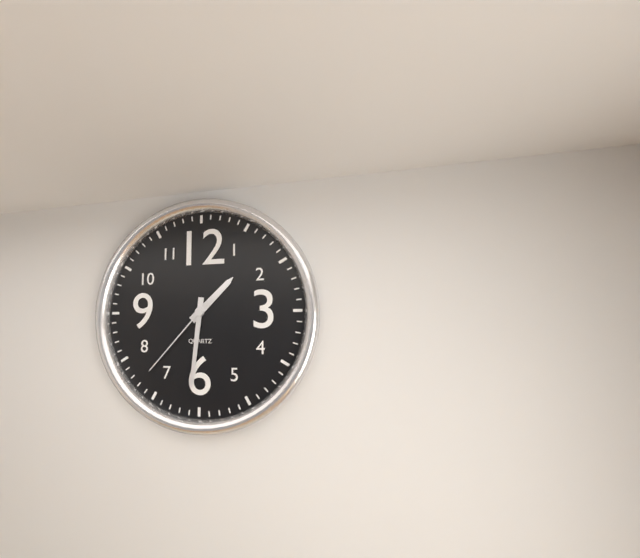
1:31:37
